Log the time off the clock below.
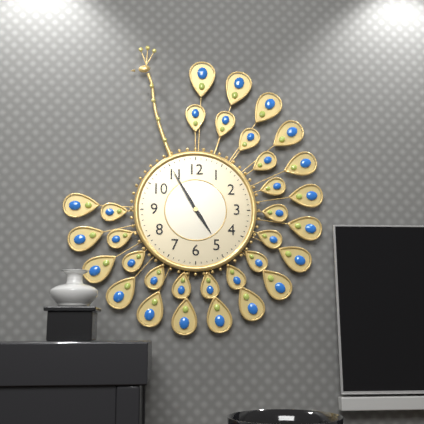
4:55
